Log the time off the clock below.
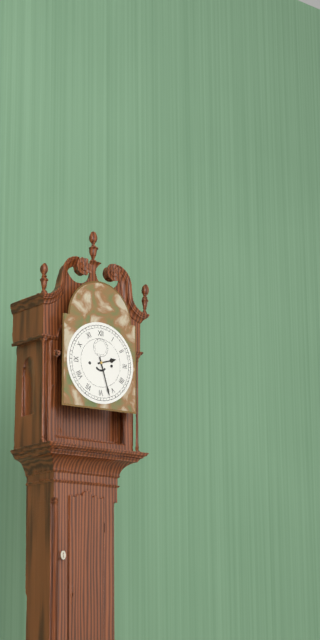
2:27
